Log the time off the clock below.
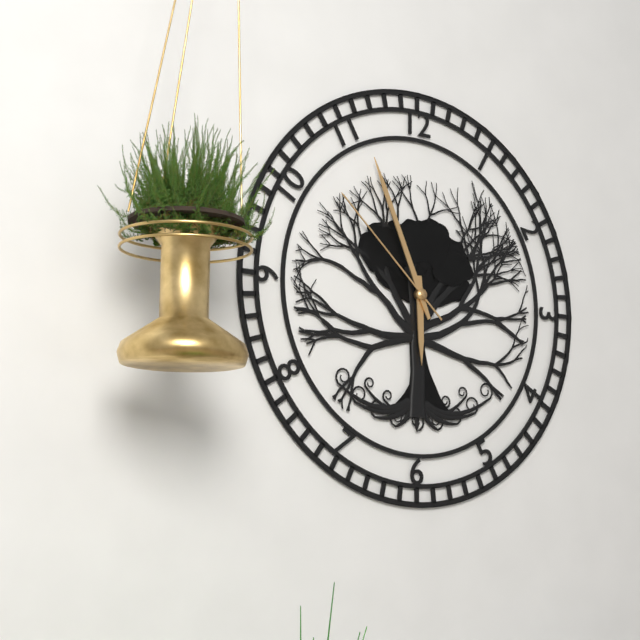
5:56:52
